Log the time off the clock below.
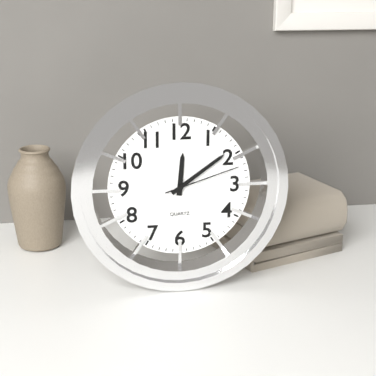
12:09:12
